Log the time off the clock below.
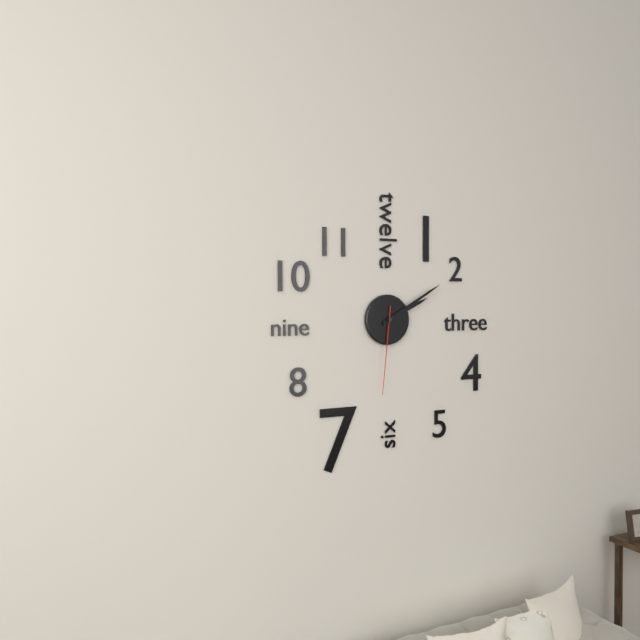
2:10:31
